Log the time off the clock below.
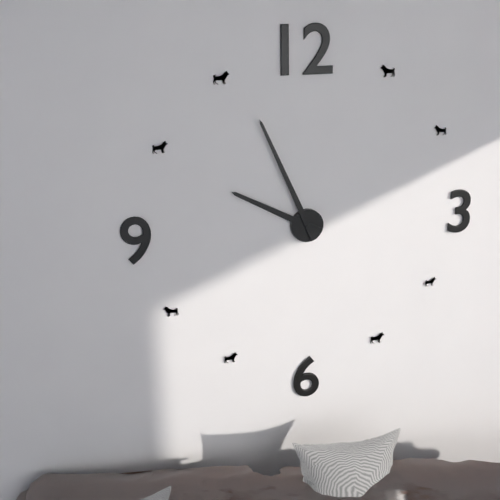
9:56
